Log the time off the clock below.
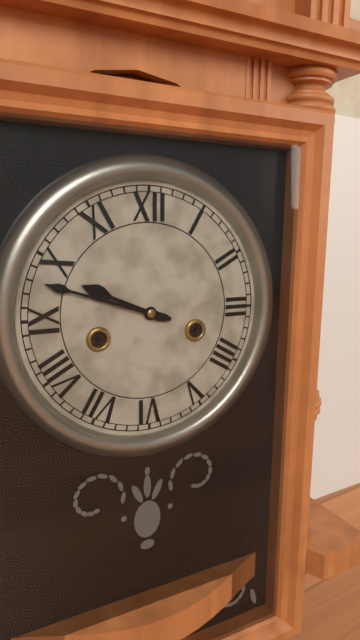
9:48
